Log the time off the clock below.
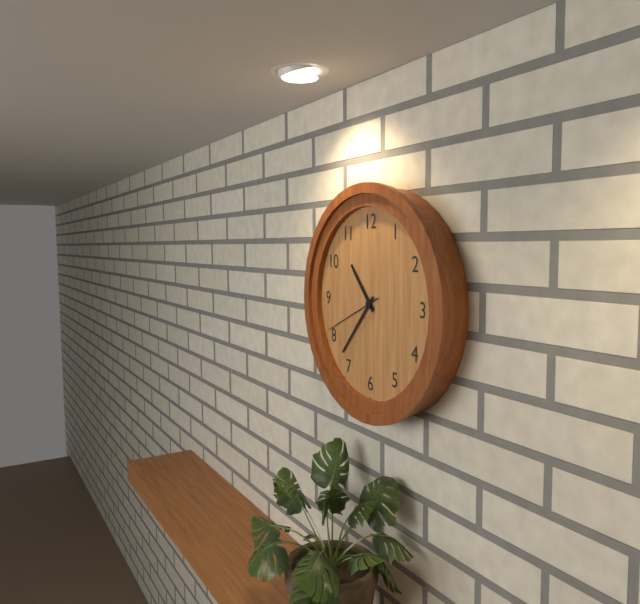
10:37:41
